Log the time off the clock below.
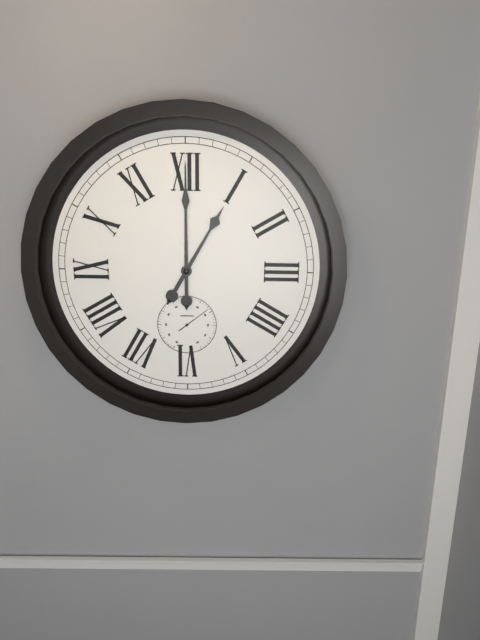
1:00
